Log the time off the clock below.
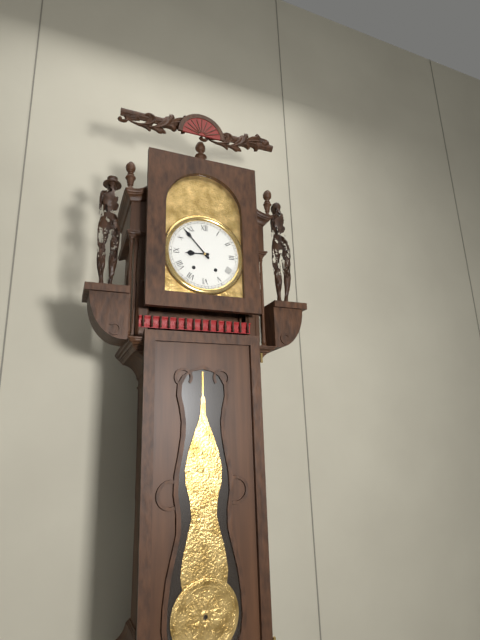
8:53
